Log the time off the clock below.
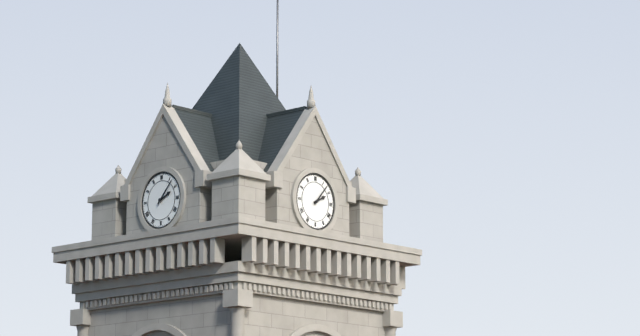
2:07
